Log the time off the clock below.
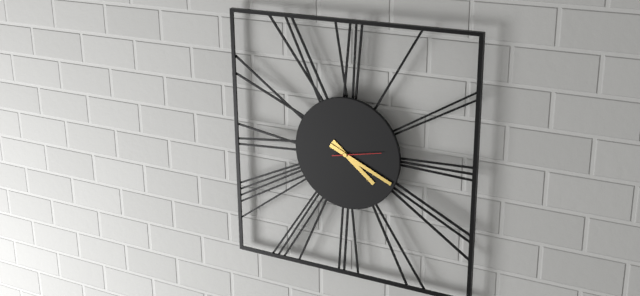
4:19
